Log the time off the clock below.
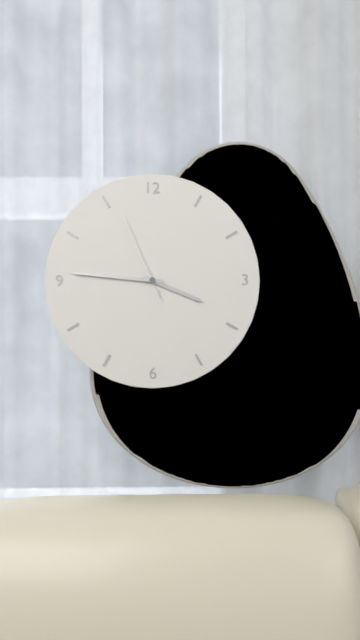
3:46:56
